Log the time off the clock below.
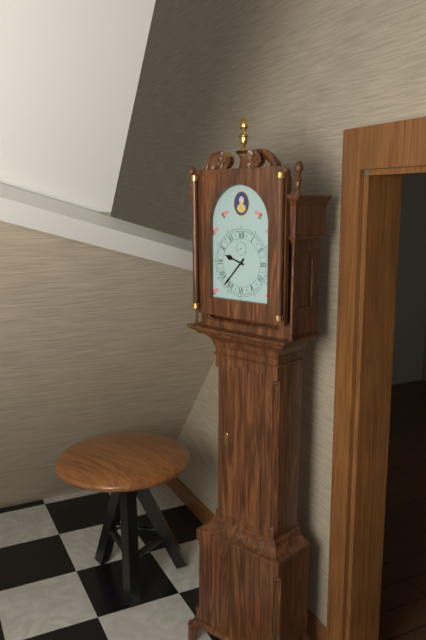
9:37
